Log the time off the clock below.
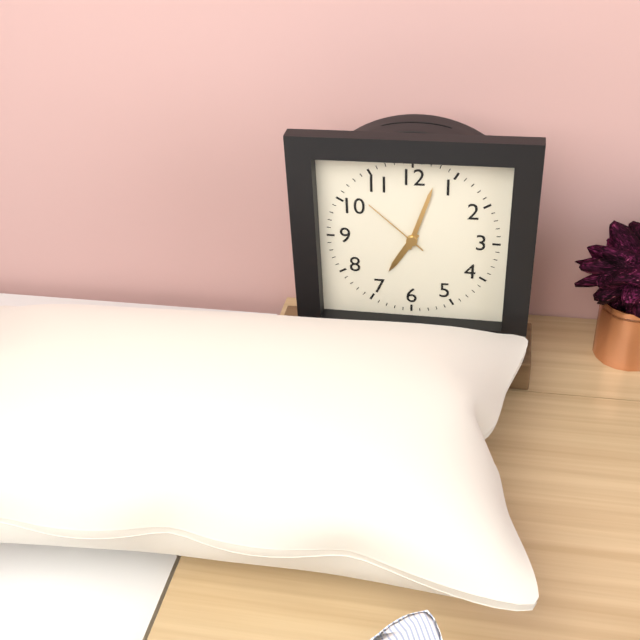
7:03:52
